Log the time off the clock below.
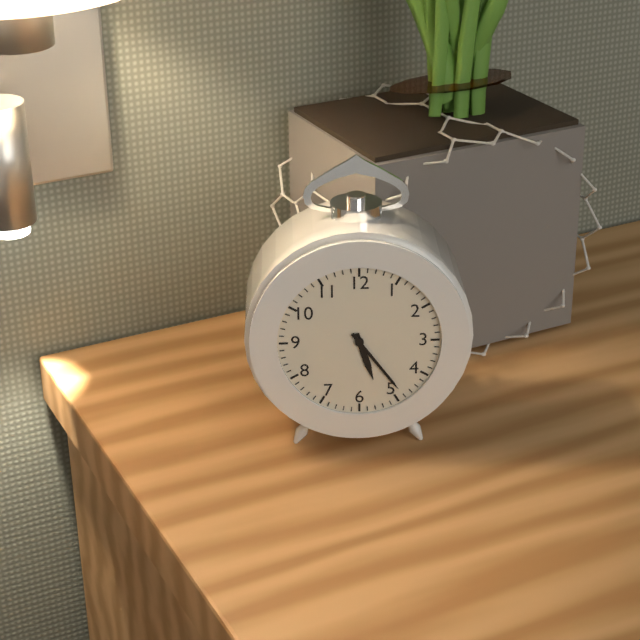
5:24
